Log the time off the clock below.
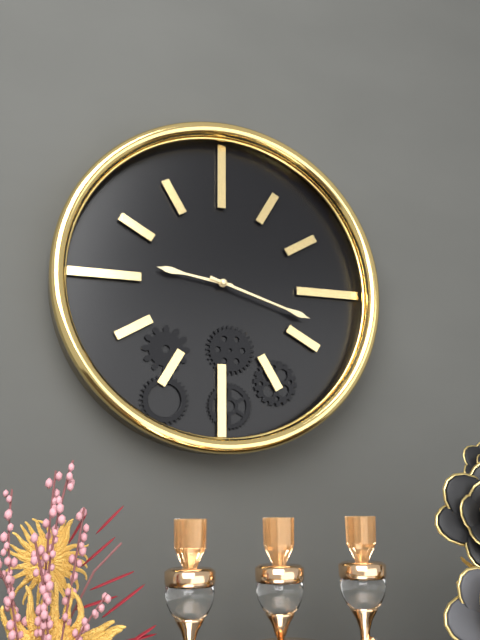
9:18
